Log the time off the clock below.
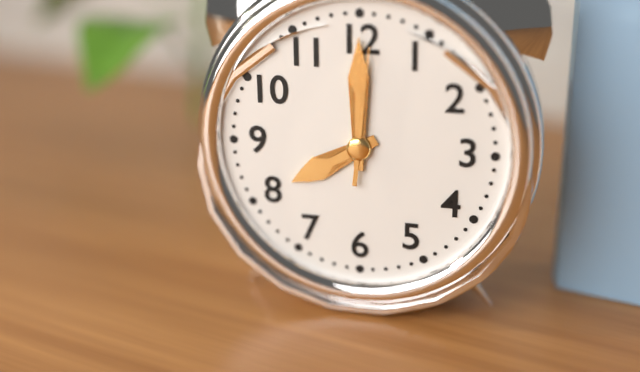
8:00:01
